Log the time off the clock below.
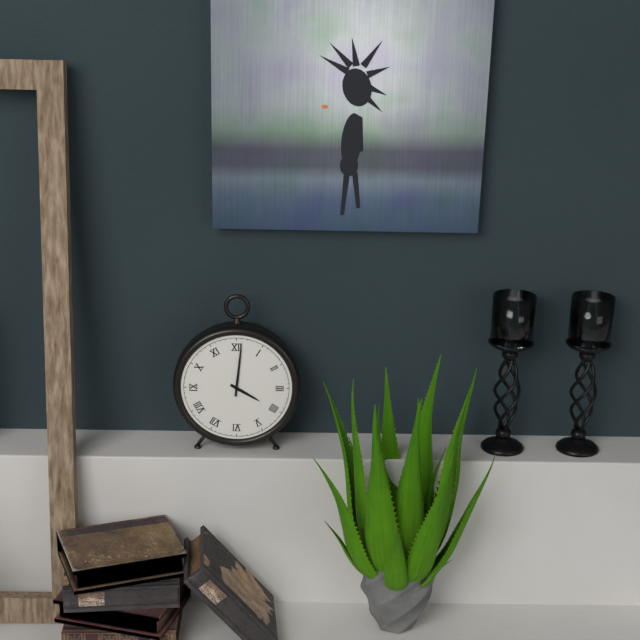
4:01
